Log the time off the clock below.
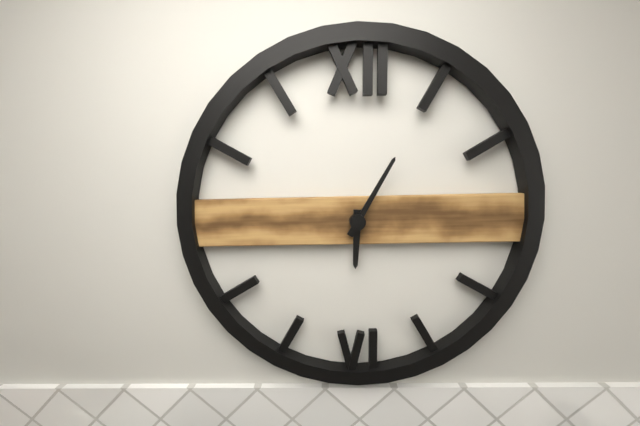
6:05
